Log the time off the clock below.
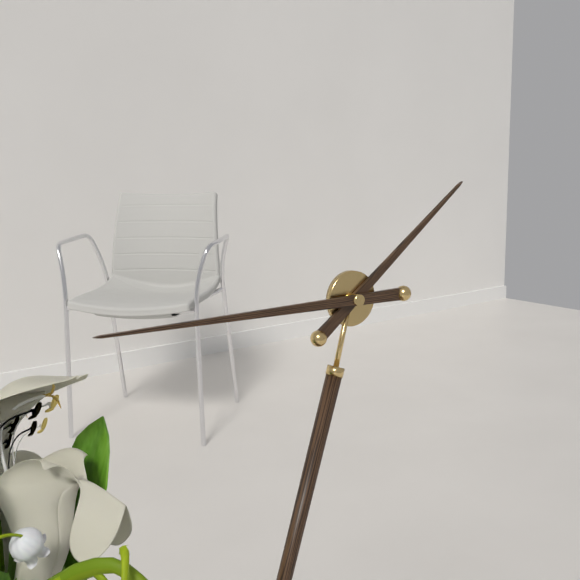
1:45
